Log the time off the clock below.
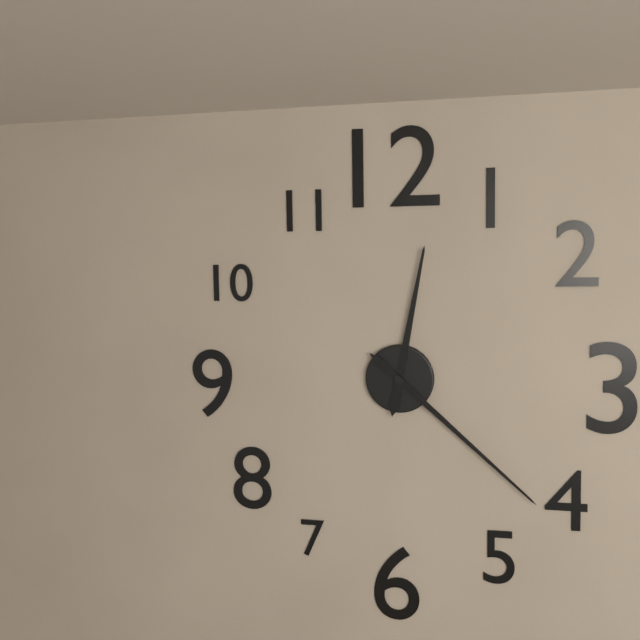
12:22
